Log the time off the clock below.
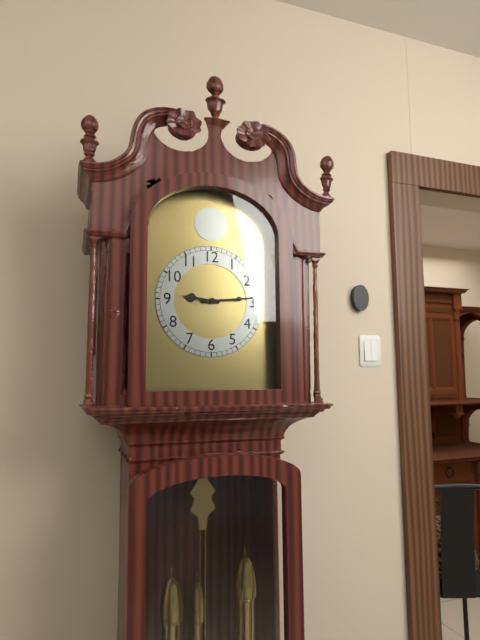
9:14
